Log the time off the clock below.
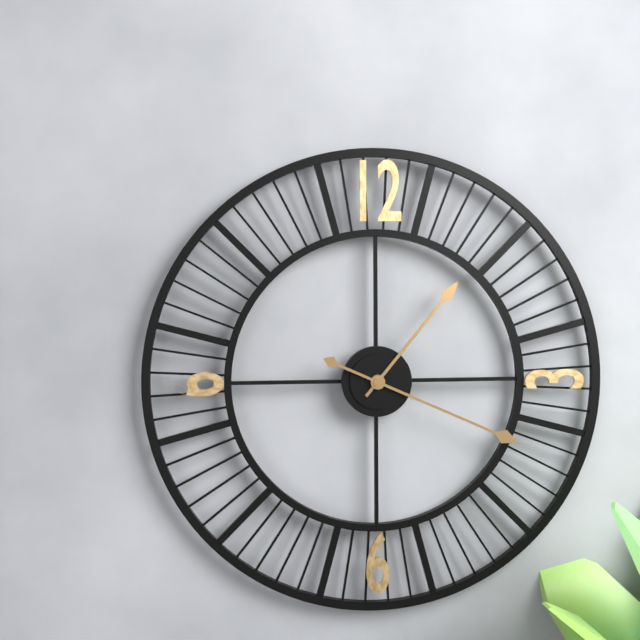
1:19
